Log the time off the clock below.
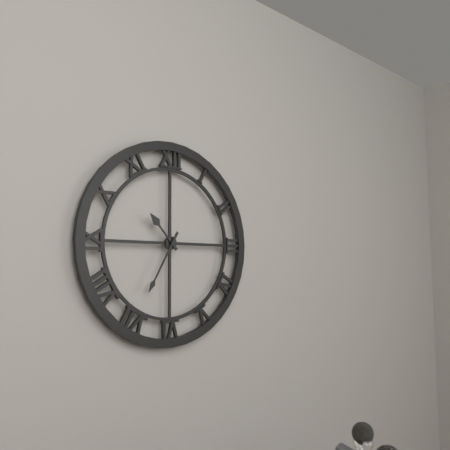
10:35
